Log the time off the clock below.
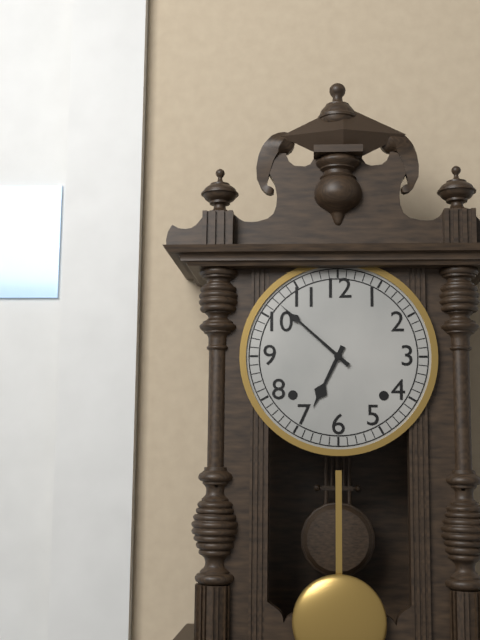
6:52
